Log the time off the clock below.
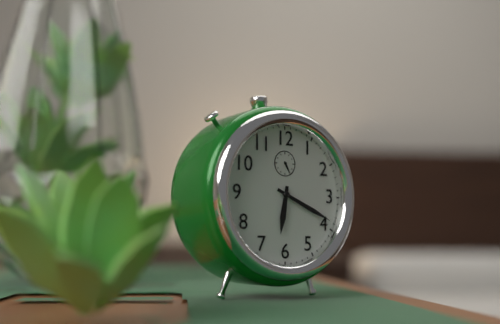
6:19
